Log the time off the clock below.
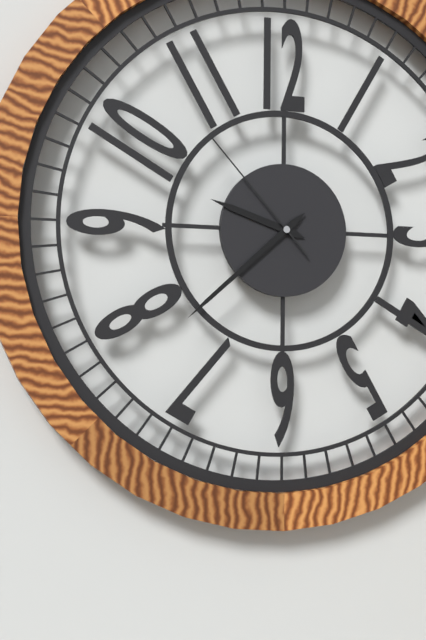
9:38:53
